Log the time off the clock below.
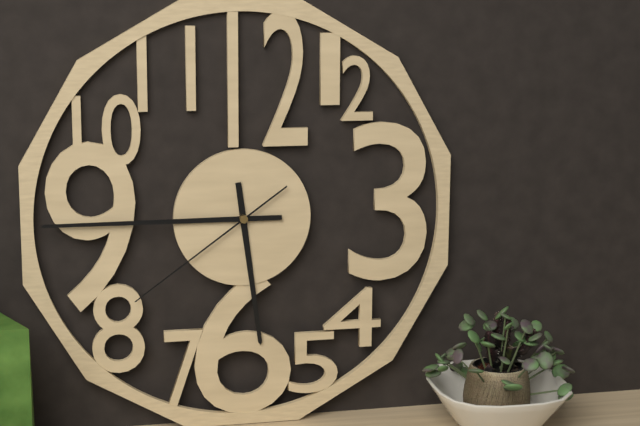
5:45:39
